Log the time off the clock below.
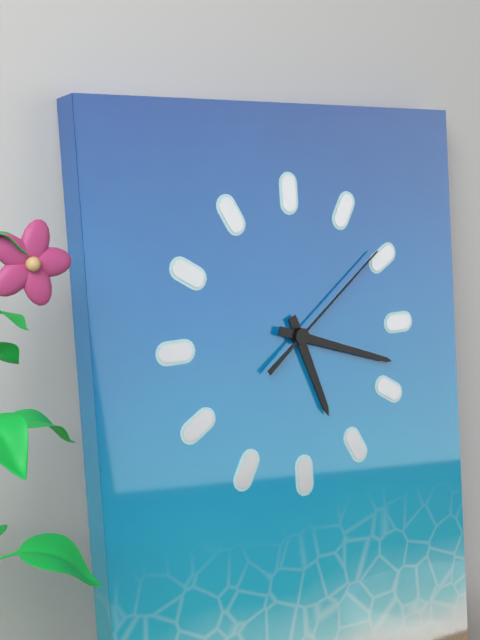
5:18:09
